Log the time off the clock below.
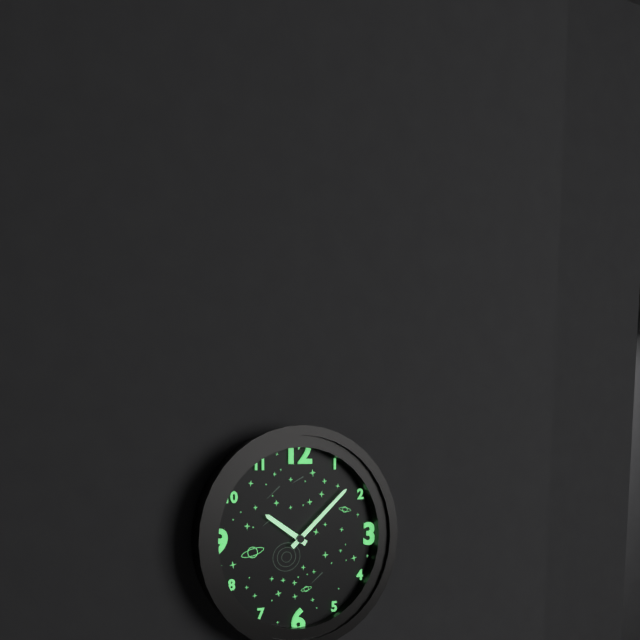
10:08
